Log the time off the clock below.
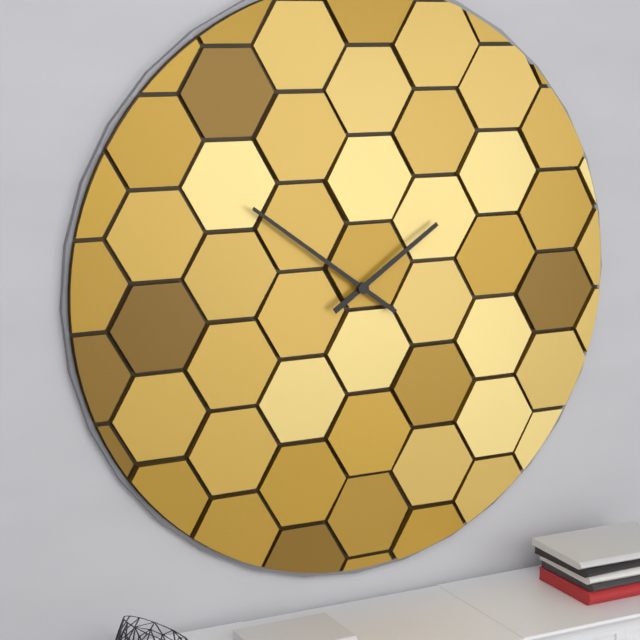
1:51
